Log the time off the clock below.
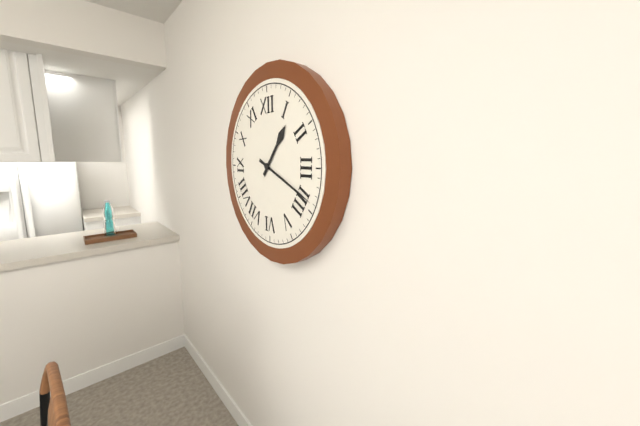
1:19
